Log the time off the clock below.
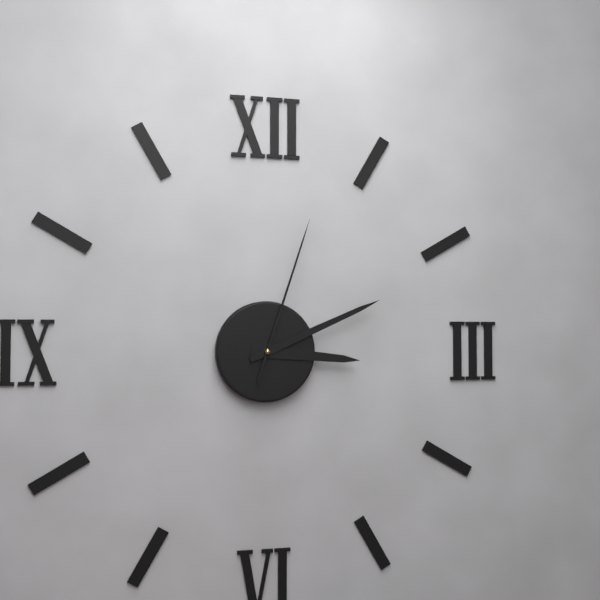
3:11:03
